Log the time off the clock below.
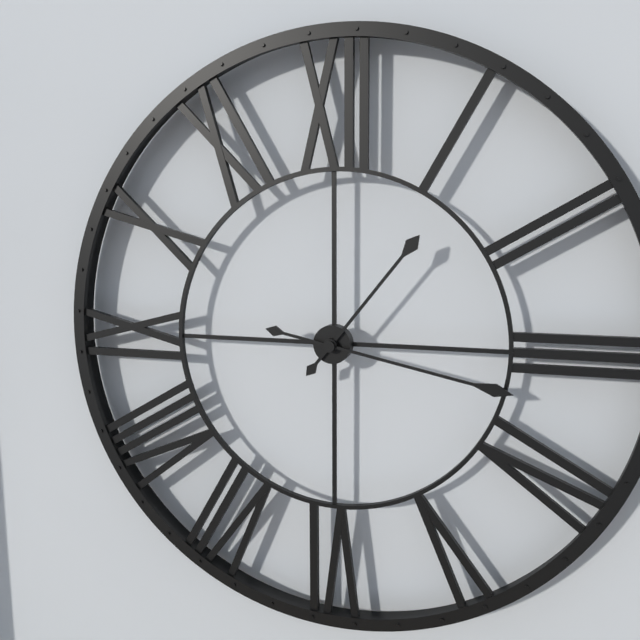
1:17
